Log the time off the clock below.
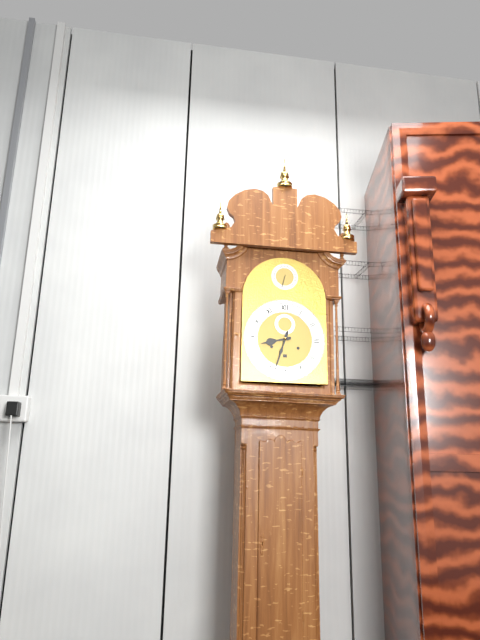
8:33
